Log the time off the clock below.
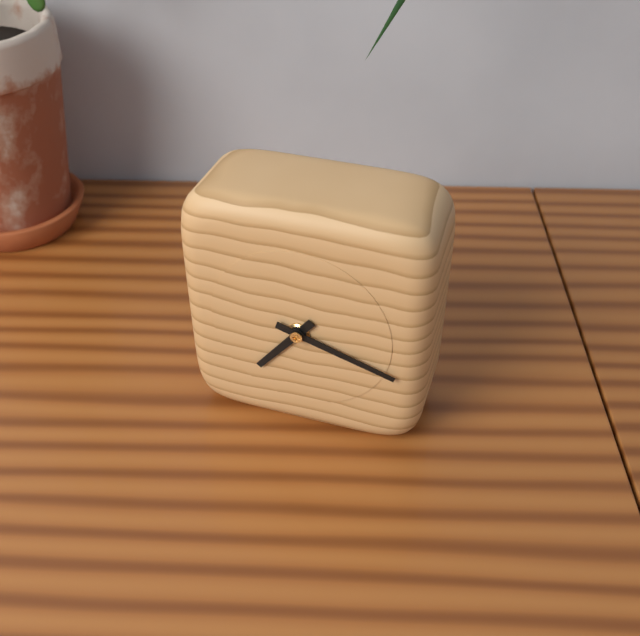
7:18
